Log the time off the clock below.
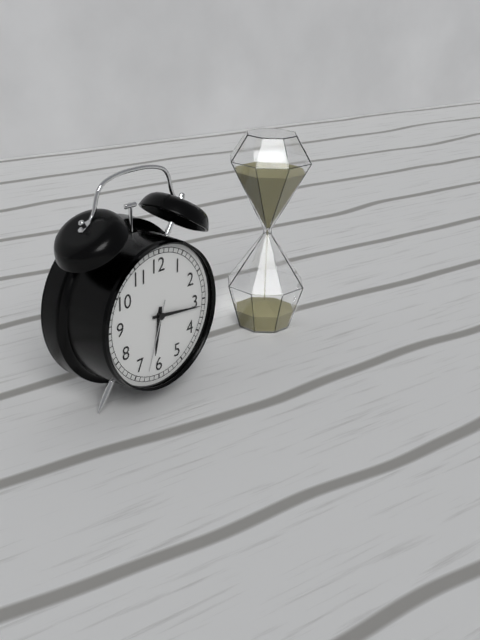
6:16:33
